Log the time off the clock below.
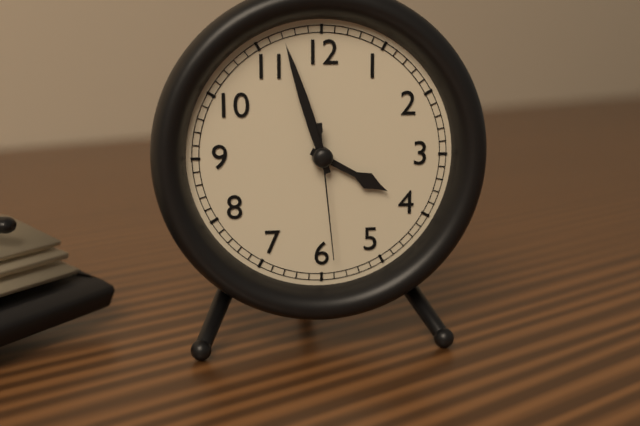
3:57:29
